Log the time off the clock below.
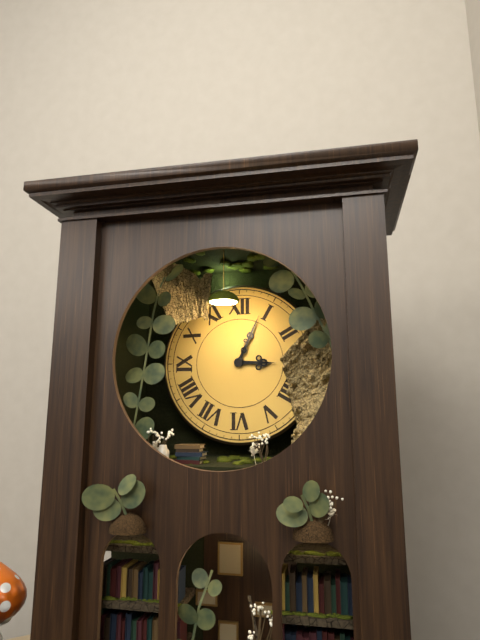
3:04
